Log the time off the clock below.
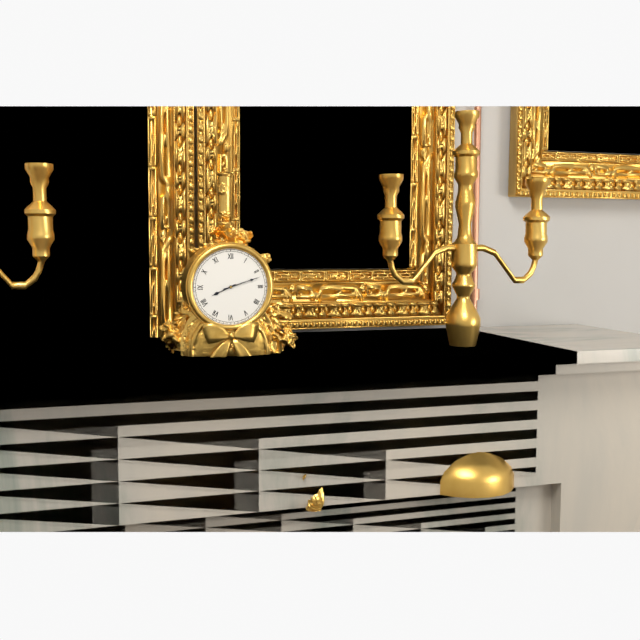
8:12
